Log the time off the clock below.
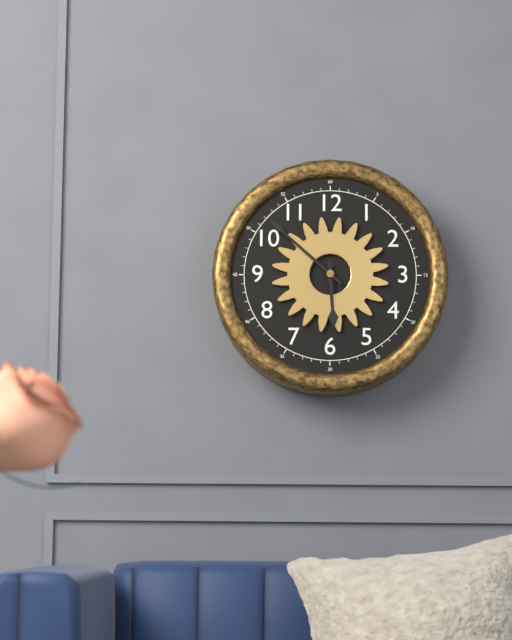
5:52
